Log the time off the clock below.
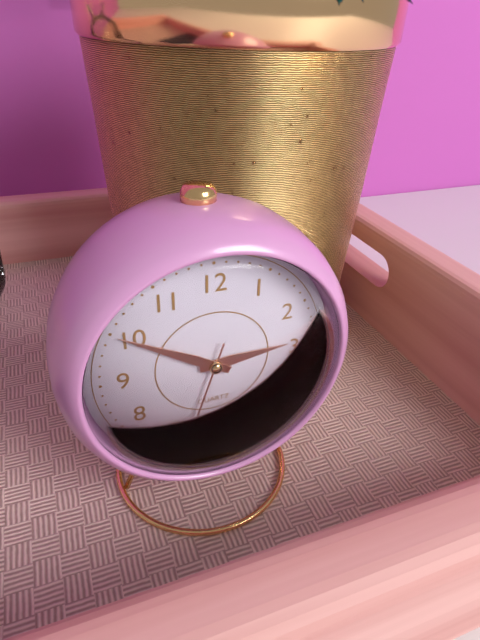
2:50:33
